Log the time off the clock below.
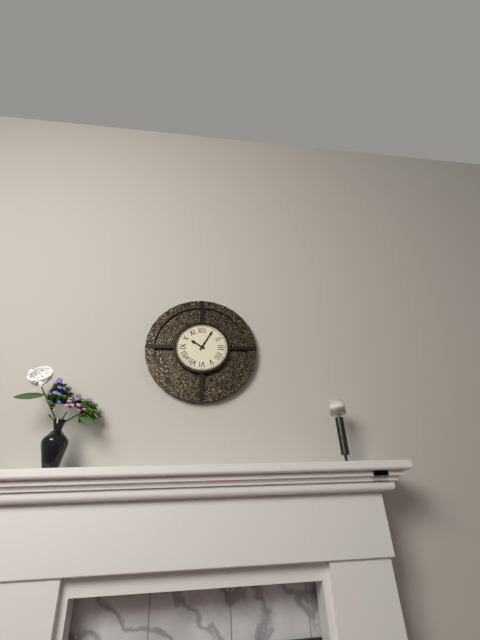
10:05
